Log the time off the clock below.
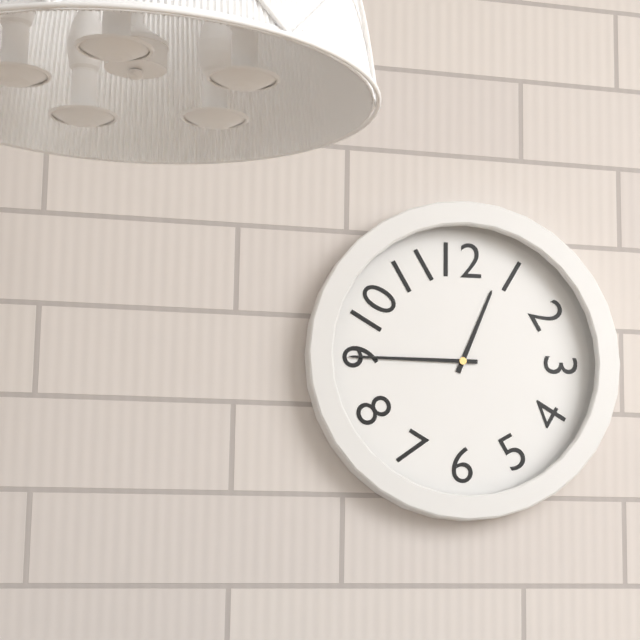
12:45
